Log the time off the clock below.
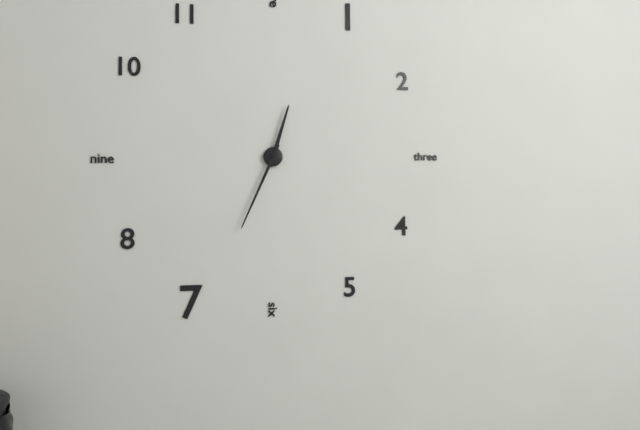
12:34
